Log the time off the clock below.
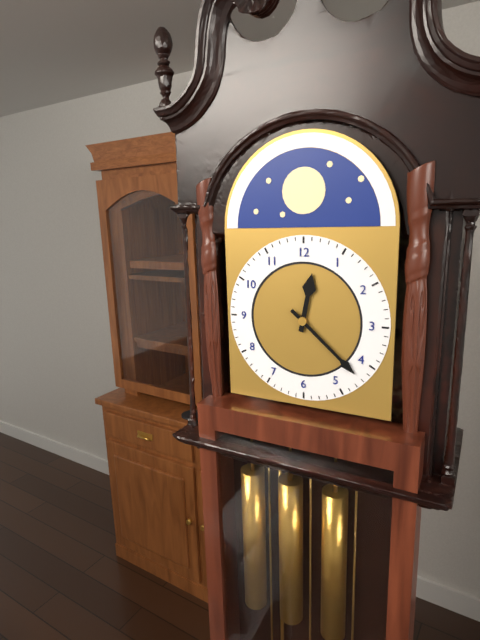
12:22
